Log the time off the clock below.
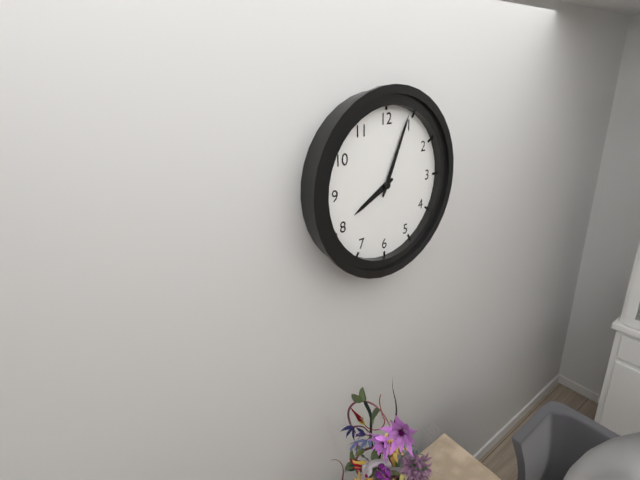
8:04
